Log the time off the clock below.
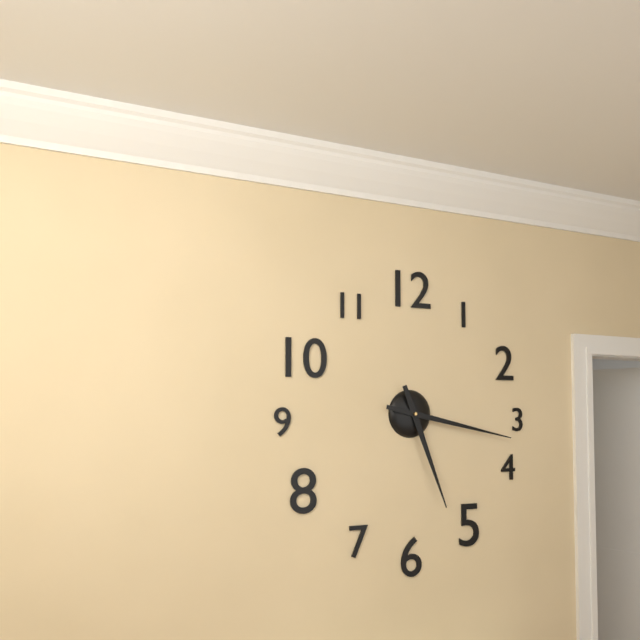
5:17
